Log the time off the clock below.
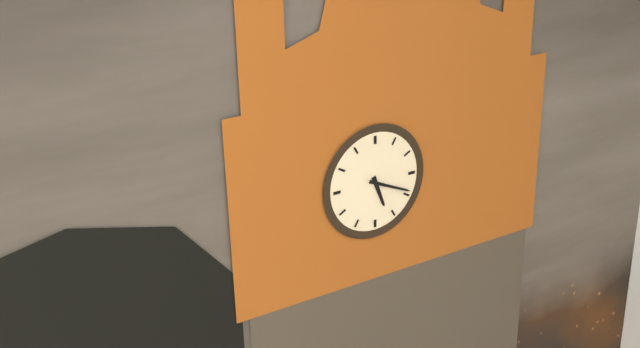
5:19
